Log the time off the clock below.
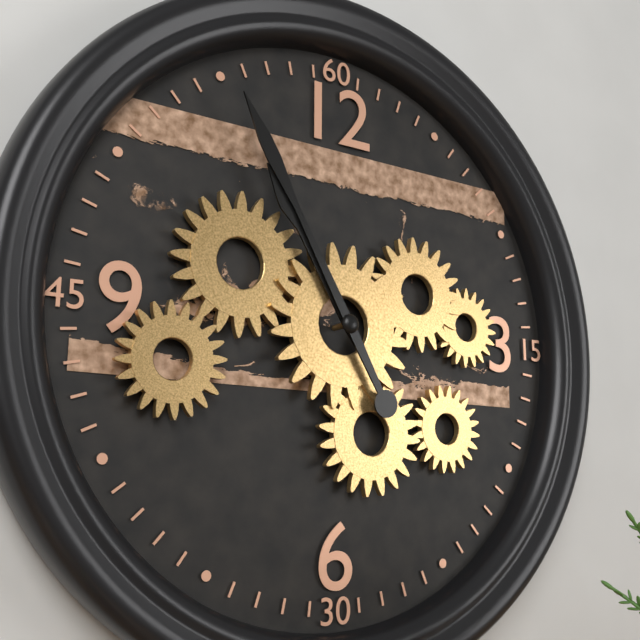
10:55
